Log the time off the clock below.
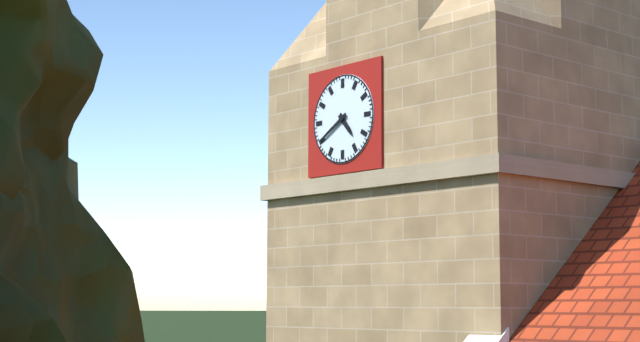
4:40
